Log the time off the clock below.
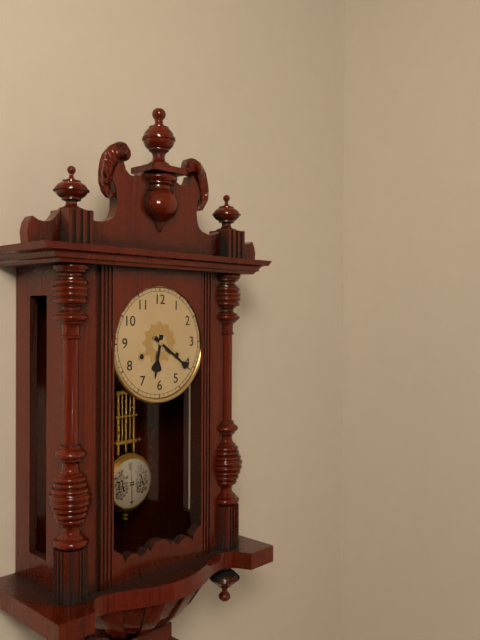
6:21
